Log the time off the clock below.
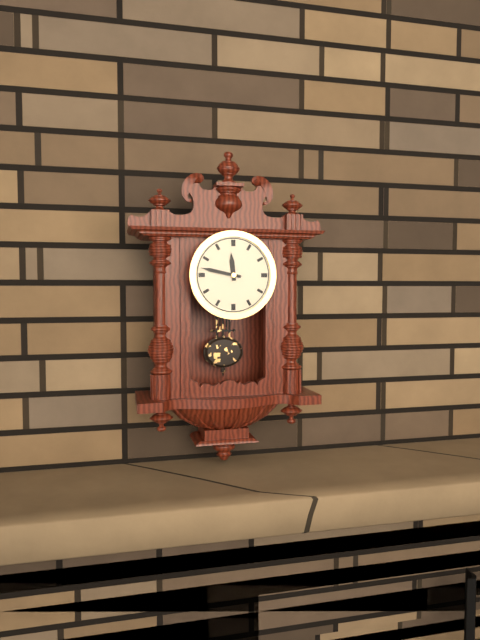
11:47
